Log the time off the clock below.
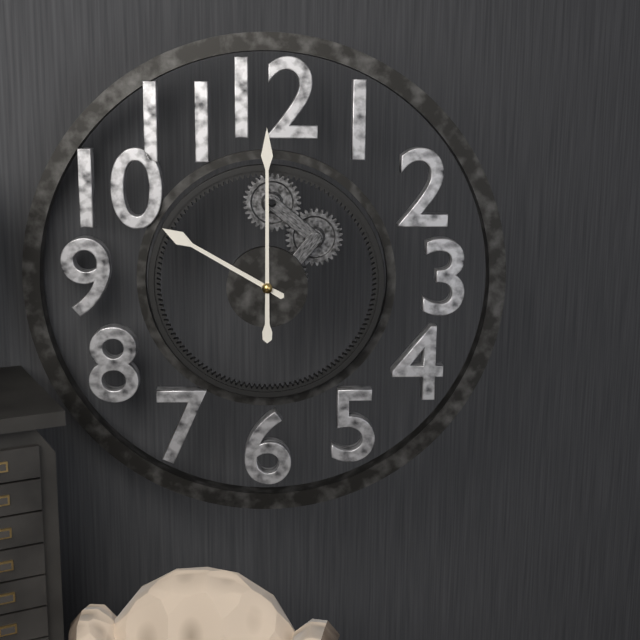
10:00
